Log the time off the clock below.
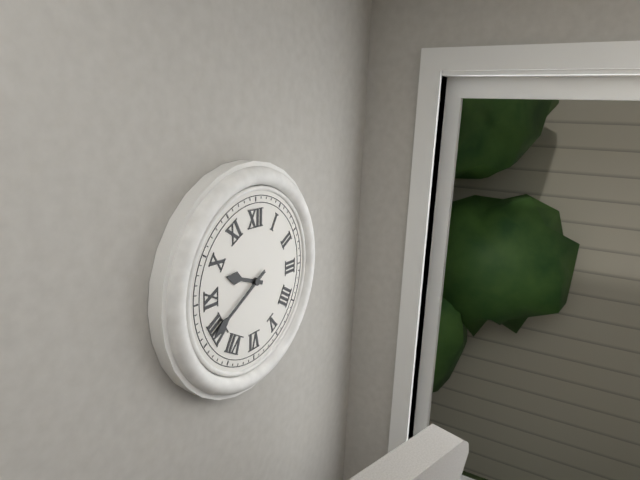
9:40
